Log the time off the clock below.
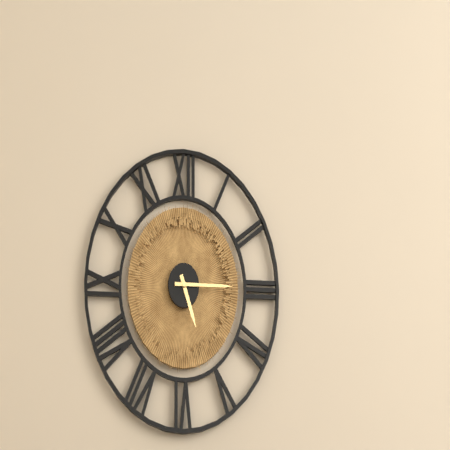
5:15
